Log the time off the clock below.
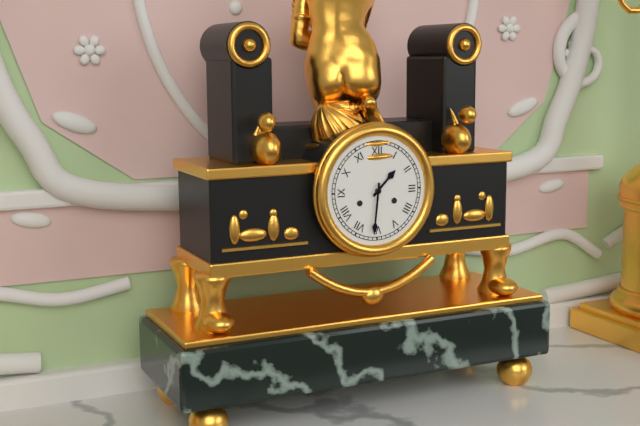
1:31
